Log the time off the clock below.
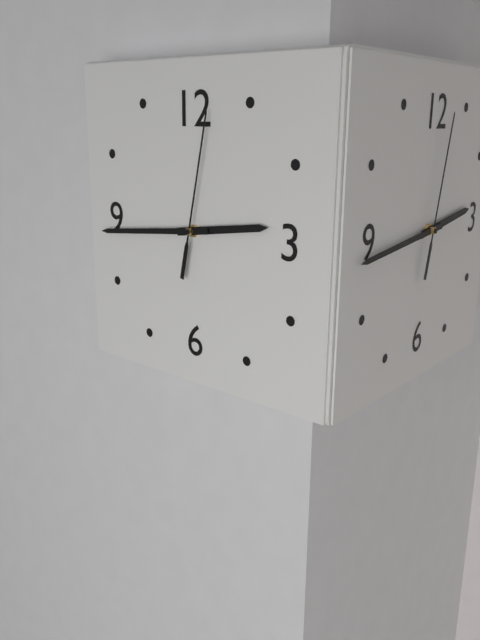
2:44:02
